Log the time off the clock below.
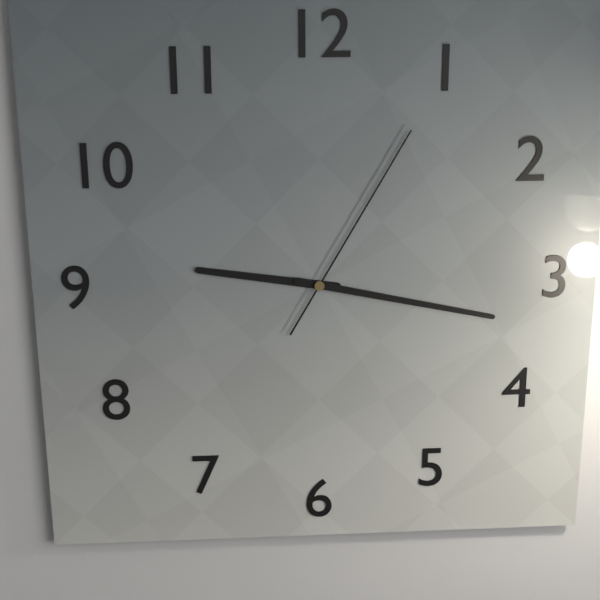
9:17:05
